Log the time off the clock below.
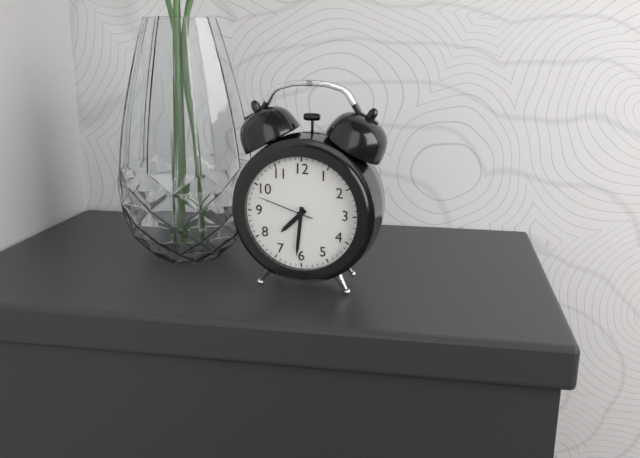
7:31:48
